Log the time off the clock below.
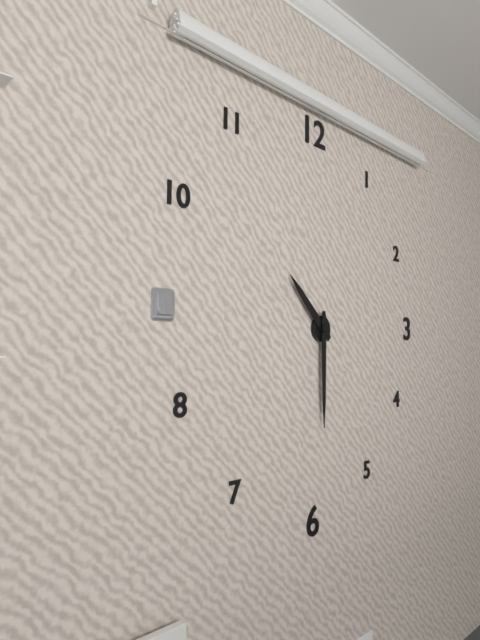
10:30
